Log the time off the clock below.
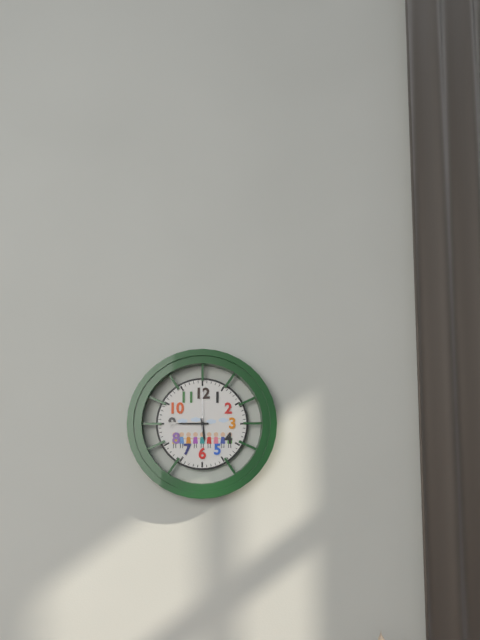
5:45
